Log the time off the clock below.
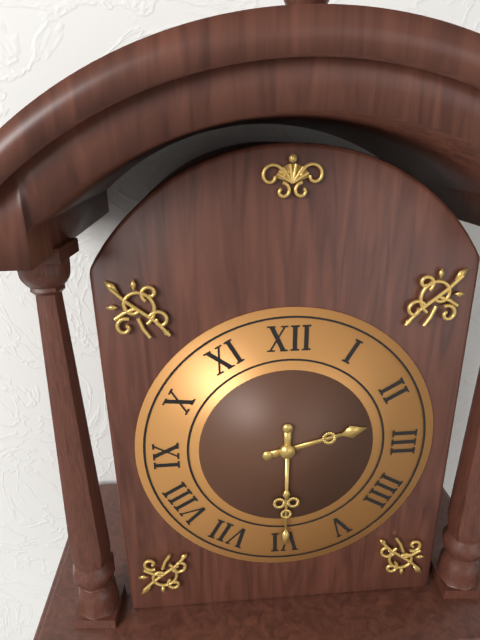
2:30
